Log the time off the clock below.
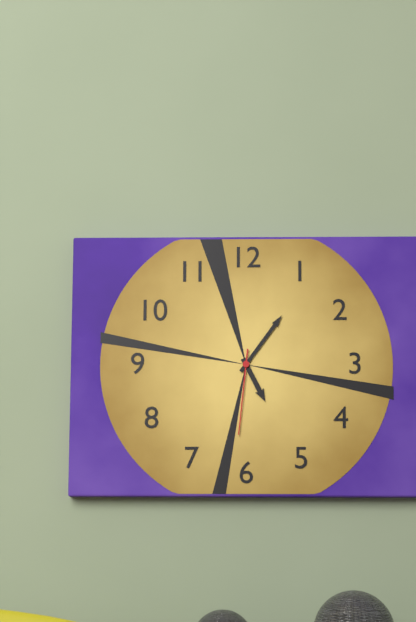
5:06:31
